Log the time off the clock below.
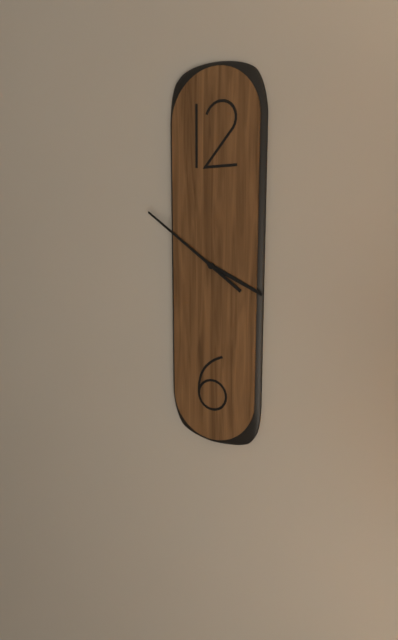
3:51
